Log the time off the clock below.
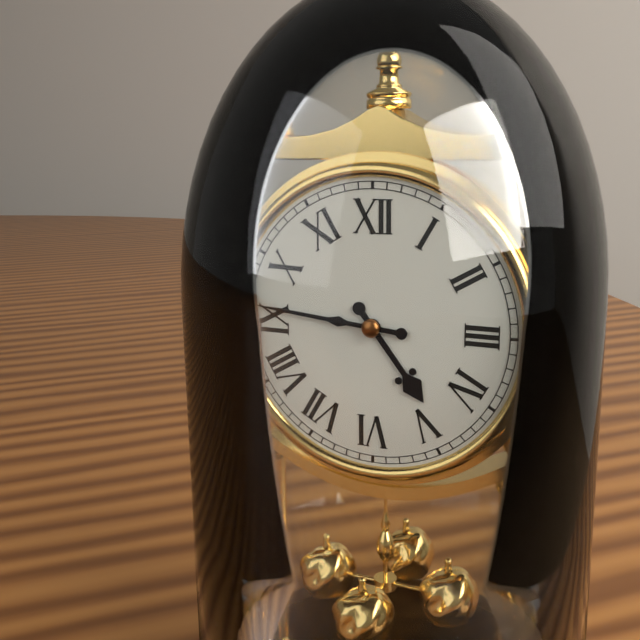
4:46
